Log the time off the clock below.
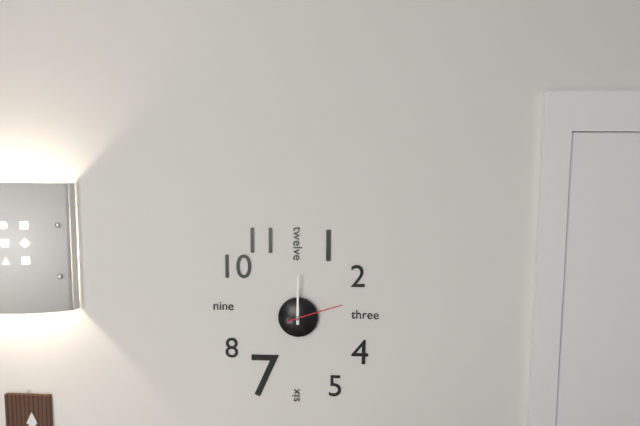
12:00:12
